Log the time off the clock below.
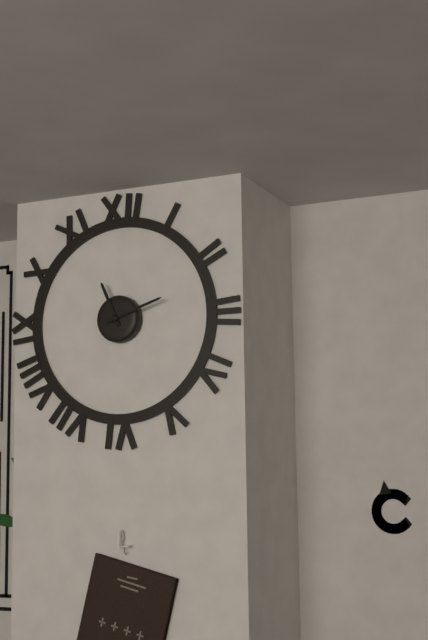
11:12
